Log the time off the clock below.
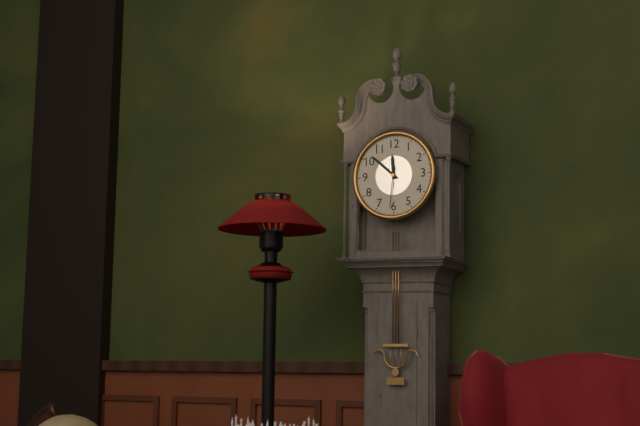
11:52
